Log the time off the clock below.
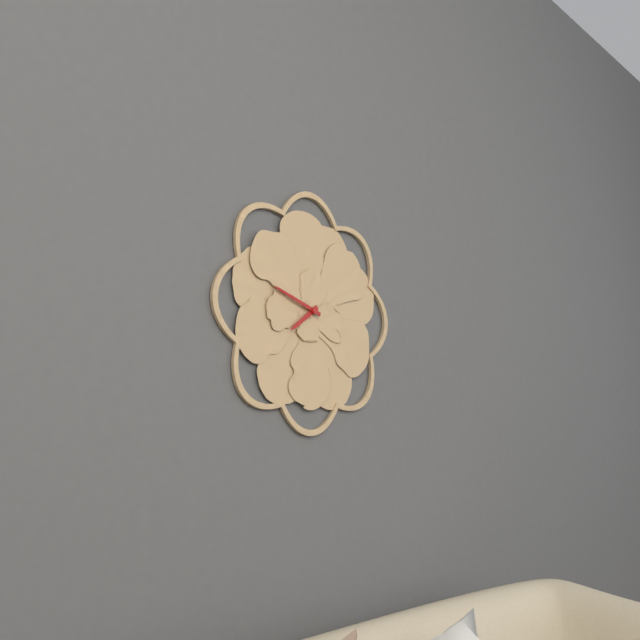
7:48
